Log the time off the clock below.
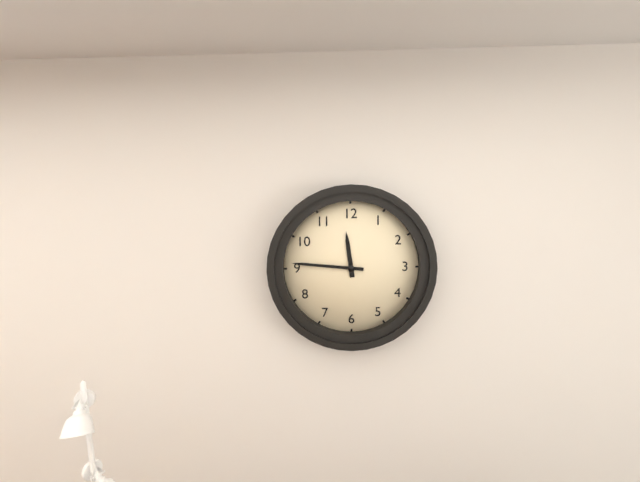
11:46
